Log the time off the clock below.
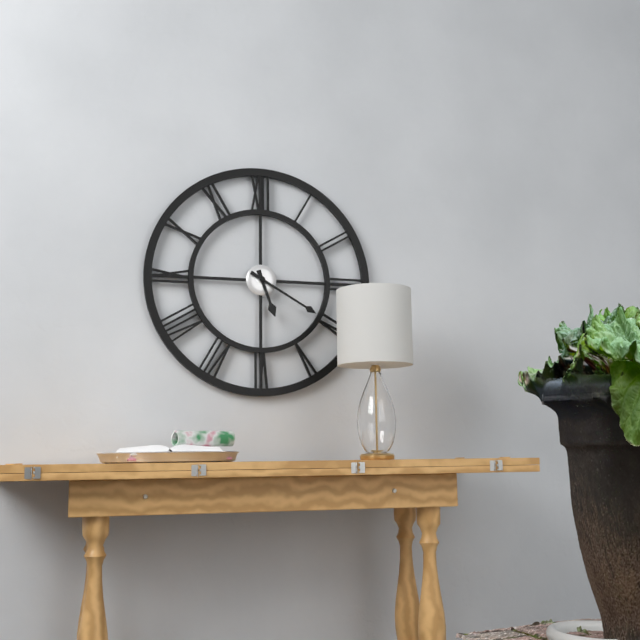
5:20
